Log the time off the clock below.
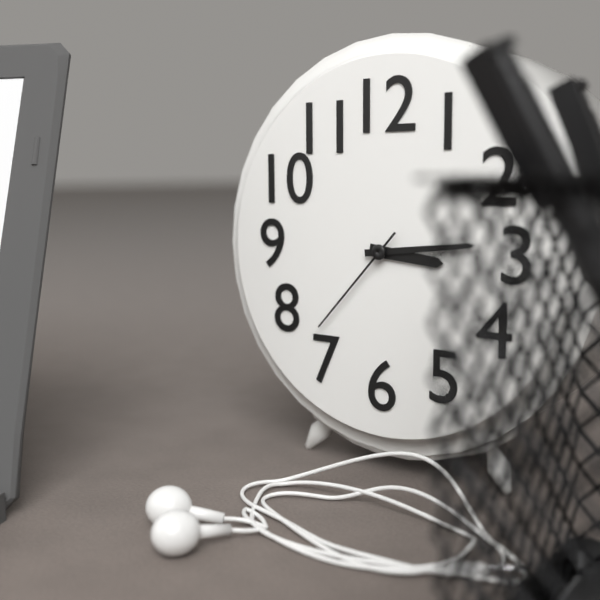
3:14:37
